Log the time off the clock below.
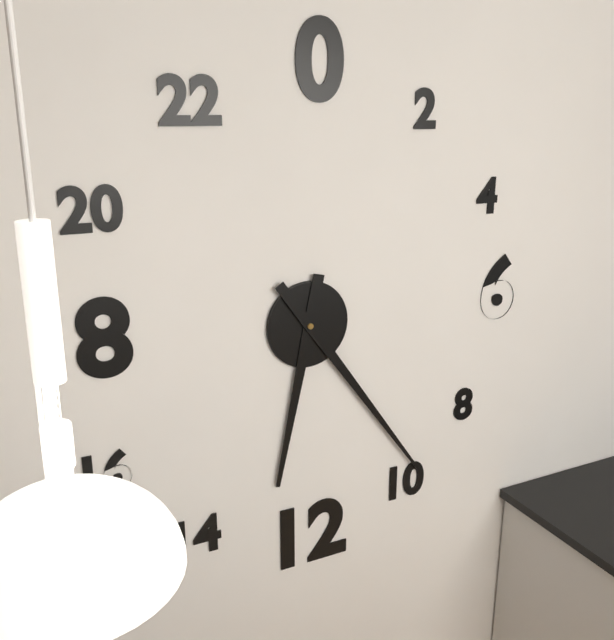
6:24
